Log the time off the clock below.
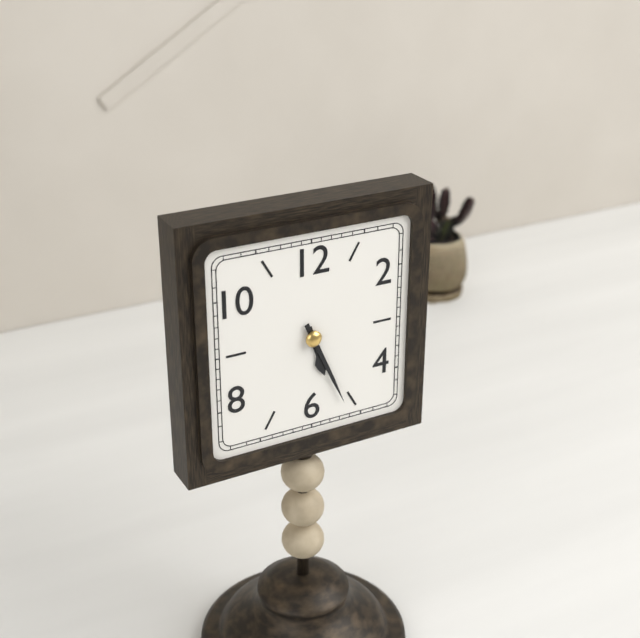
5:26
